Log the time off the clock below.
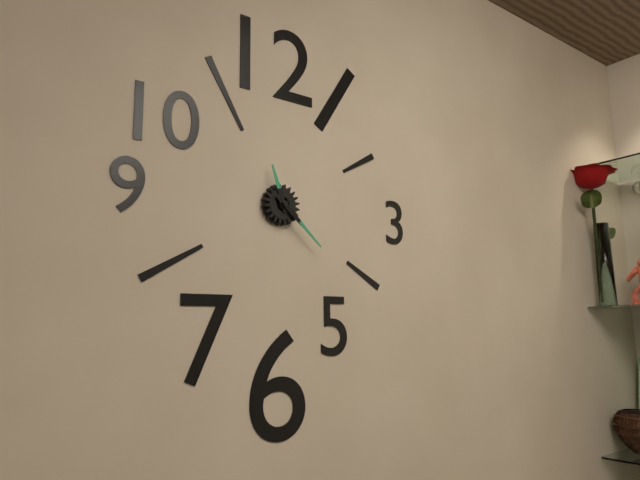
11:22
